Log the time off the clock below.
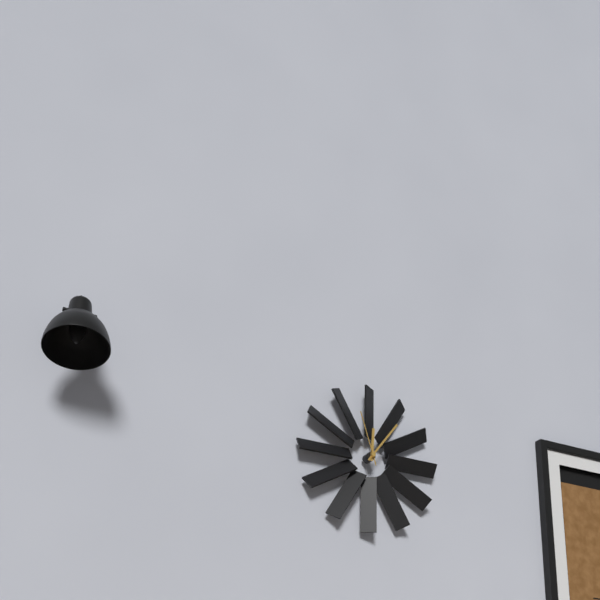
12:06:57
